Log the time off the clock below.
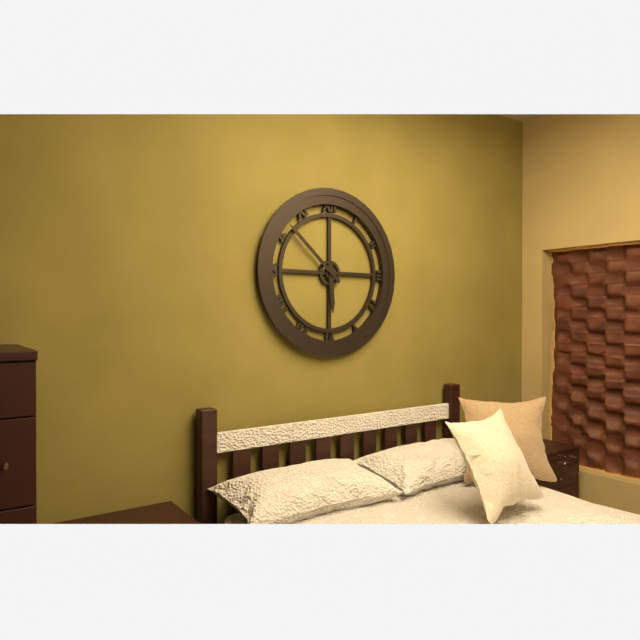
5:52
